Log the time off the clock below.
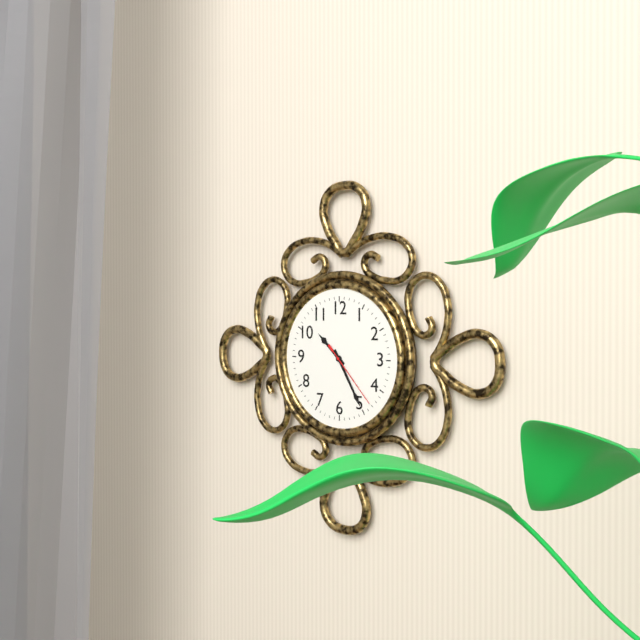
10:25:23
